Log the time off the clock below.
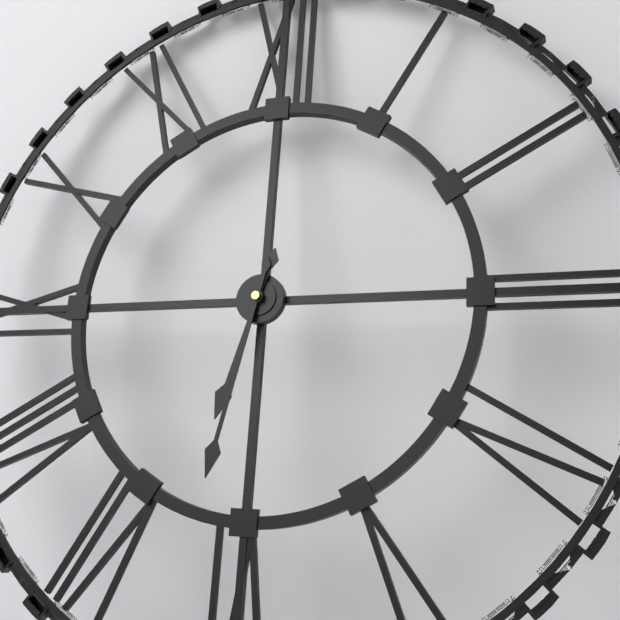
6:32
